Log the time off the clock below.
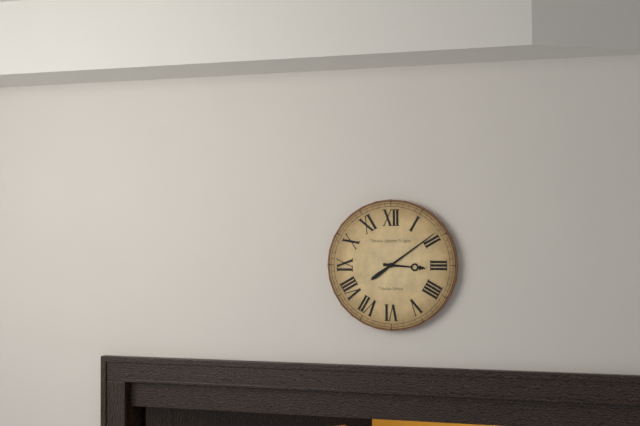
3:09
